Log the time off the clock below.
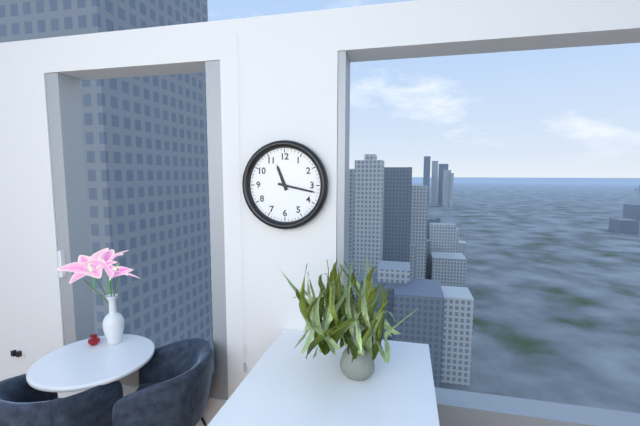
11:17
